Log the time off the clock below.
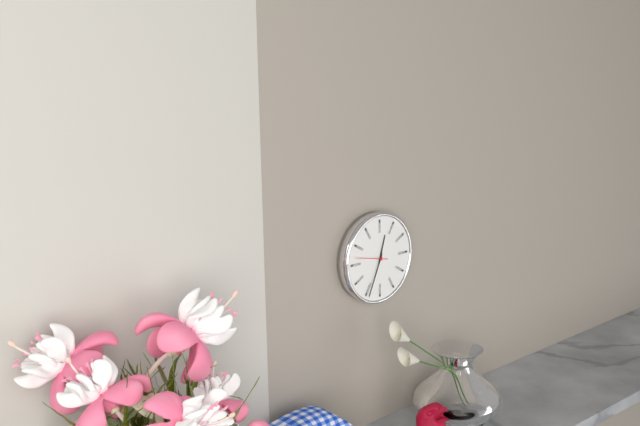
12:34
